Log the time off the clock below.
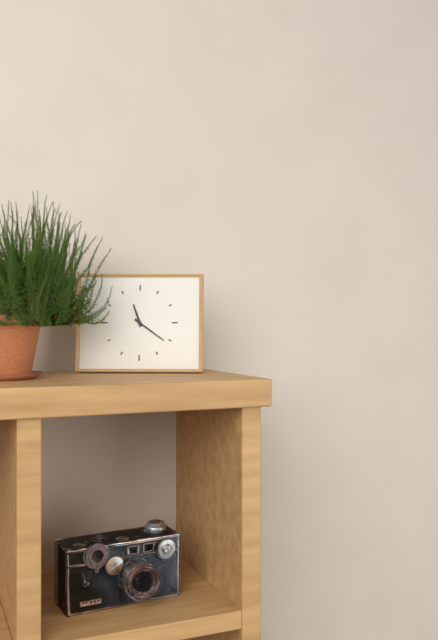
11:21
